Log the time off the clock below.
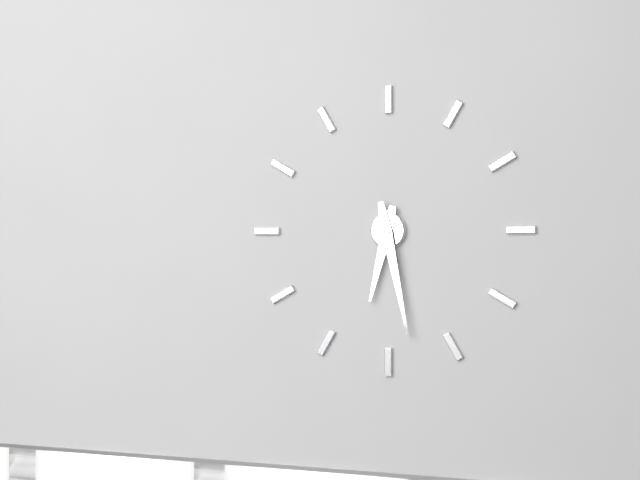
6:28
